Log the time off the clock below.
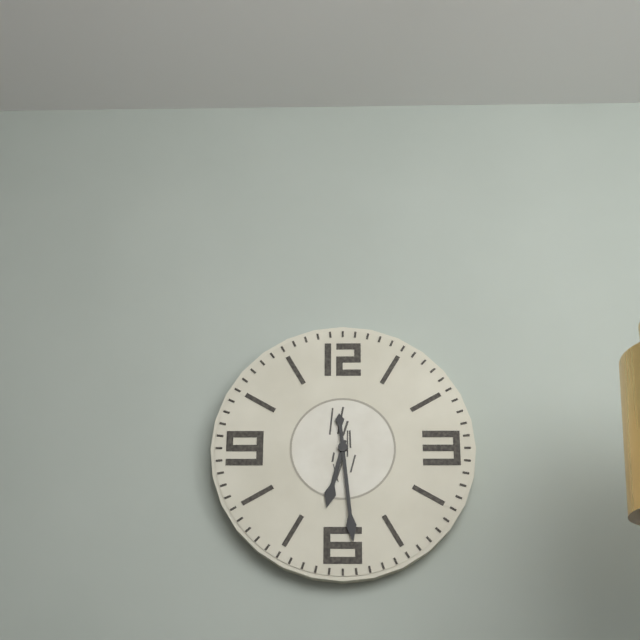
6:29
